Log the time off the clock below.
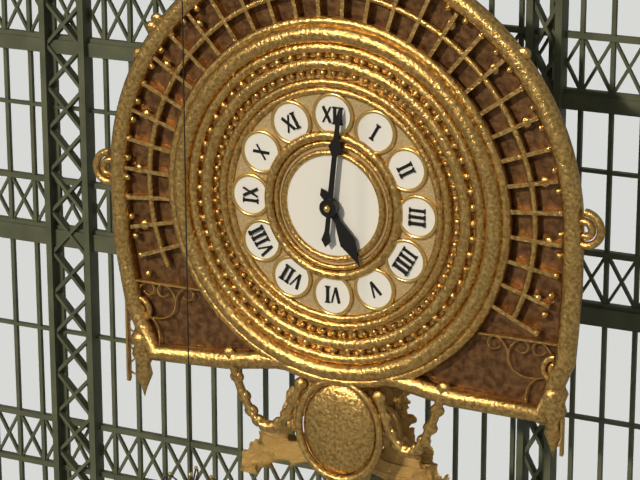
5:01
